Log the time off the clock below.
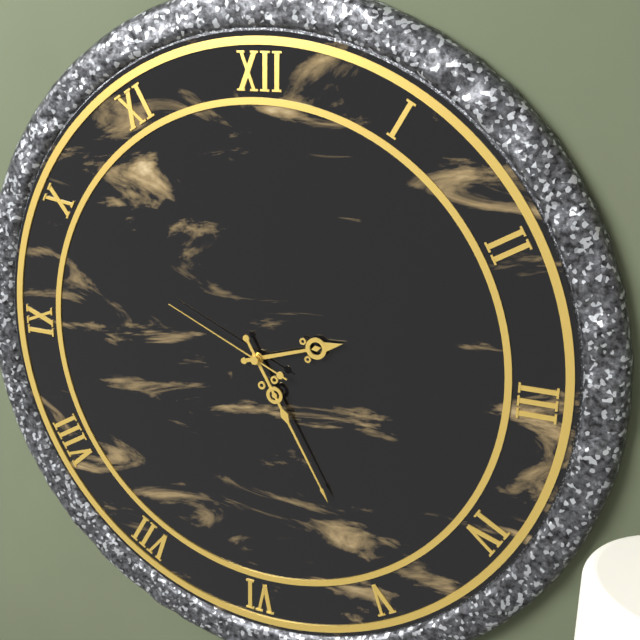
2:25:49
